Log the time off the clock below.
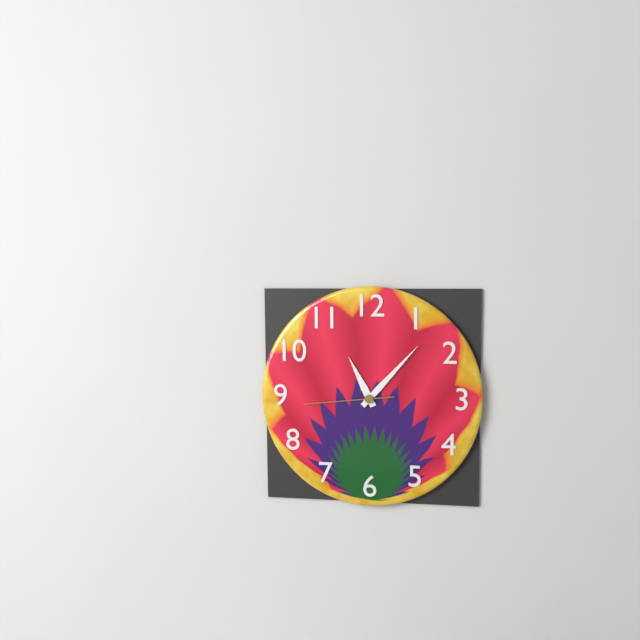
11:07:44
